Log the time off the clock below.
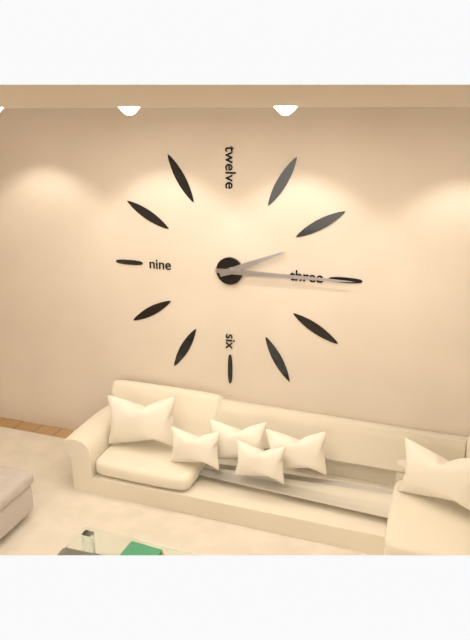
2:15
